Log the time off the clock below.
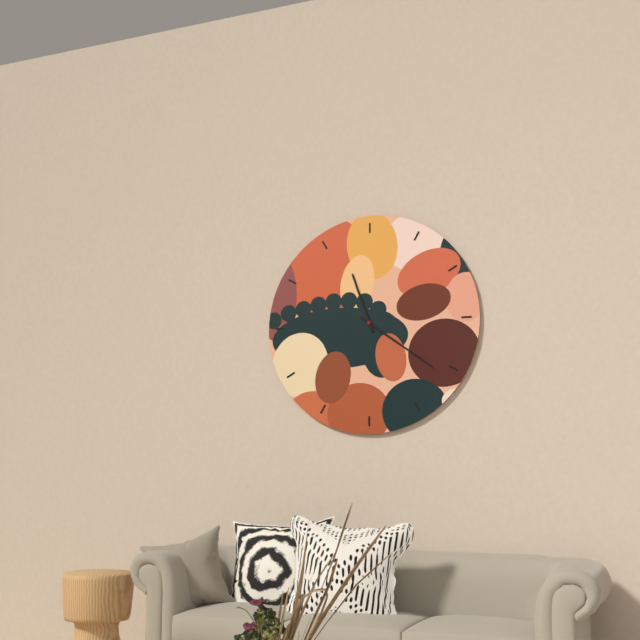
11:21
